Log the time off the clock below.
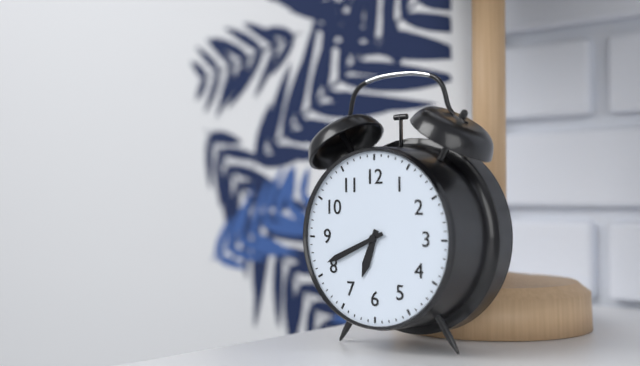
6:41
